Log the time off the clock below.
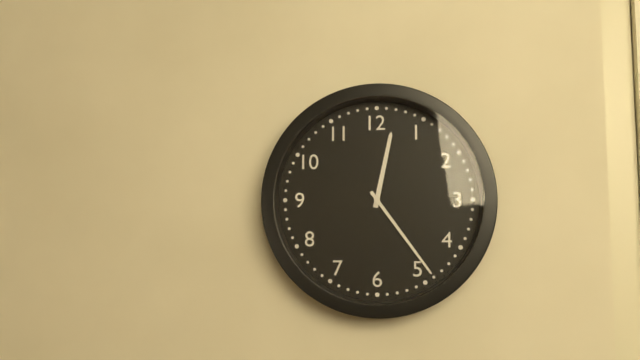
12:24
